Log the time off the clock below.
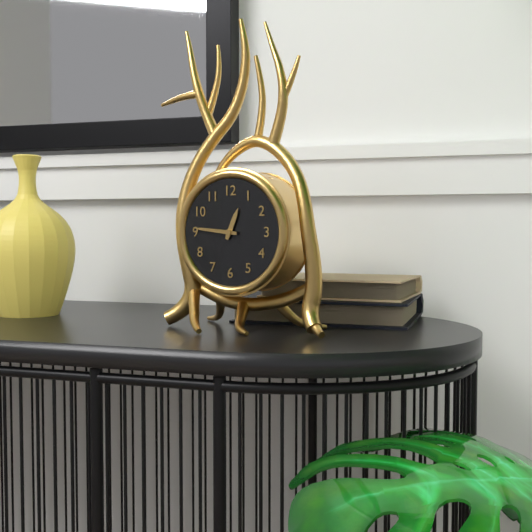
12:46
